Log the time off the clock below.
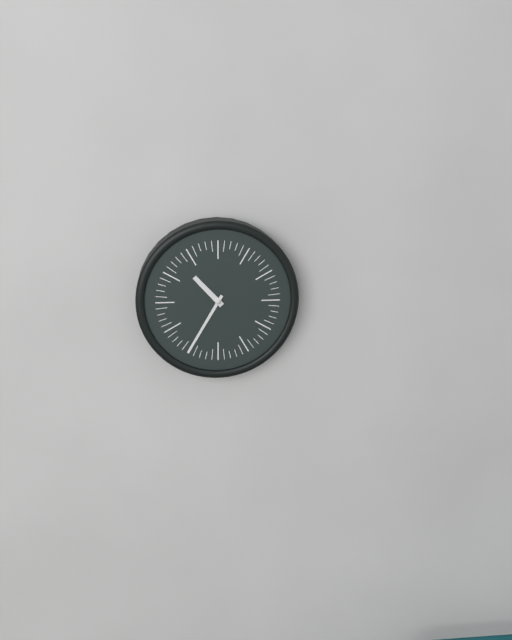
10:35
